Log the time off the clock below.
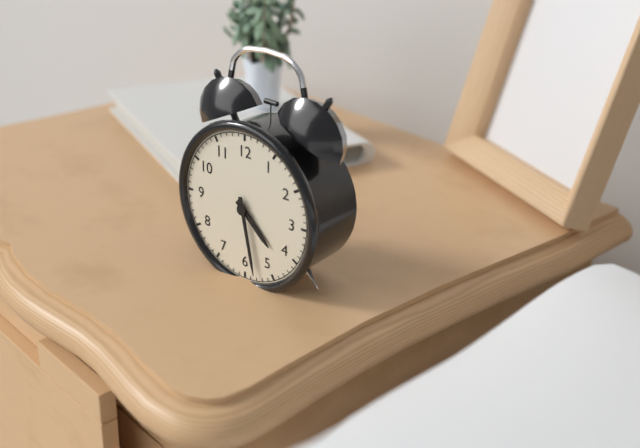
4:28
